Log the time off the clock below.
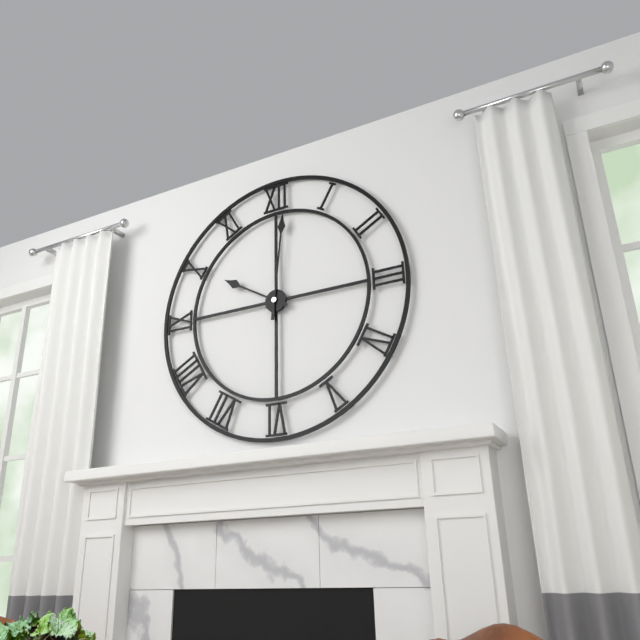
10:01
